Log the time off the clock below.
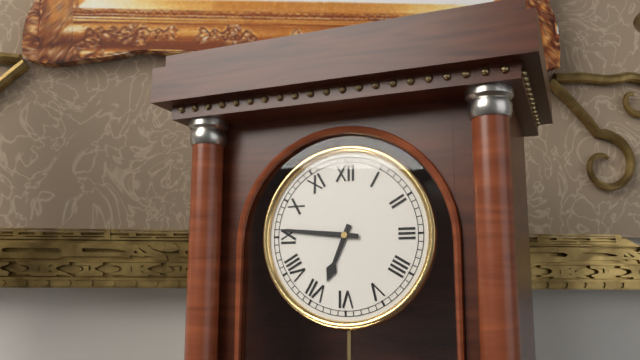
6:46
